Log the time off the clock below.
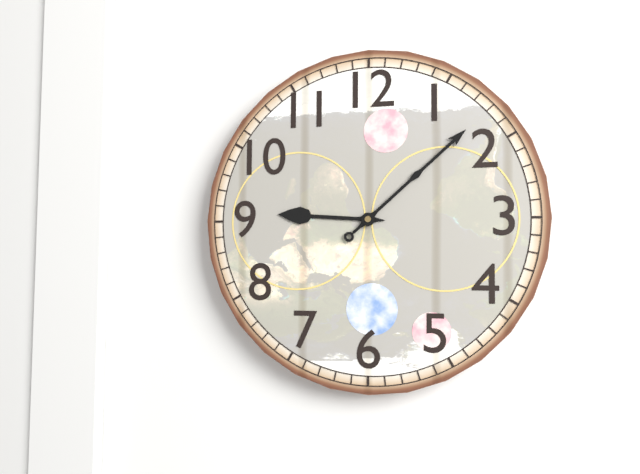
9:08
